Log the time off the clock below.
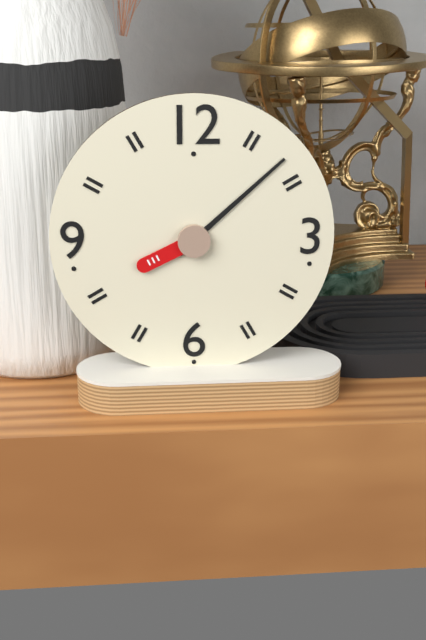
8:08
